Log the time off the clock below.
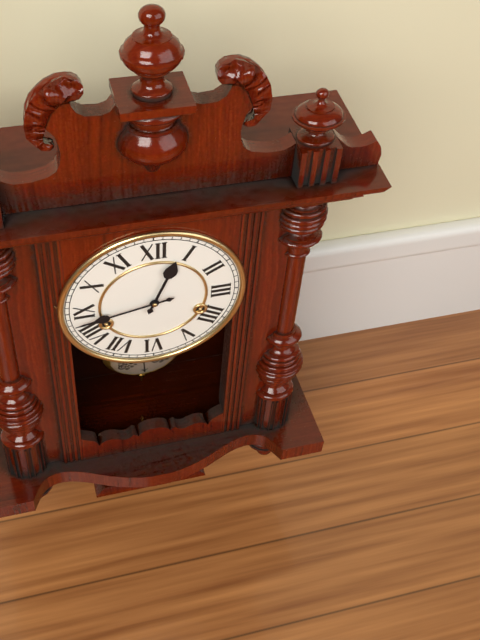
12:43
